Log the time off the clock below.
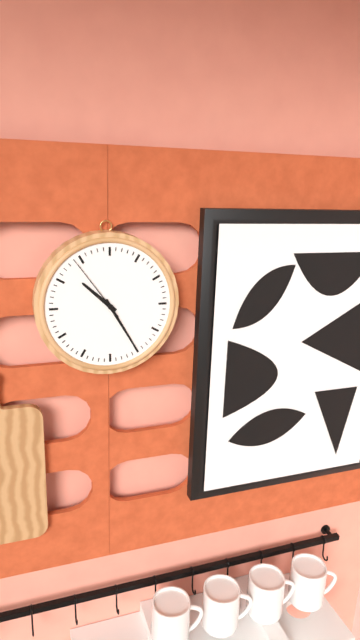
10:25:54
